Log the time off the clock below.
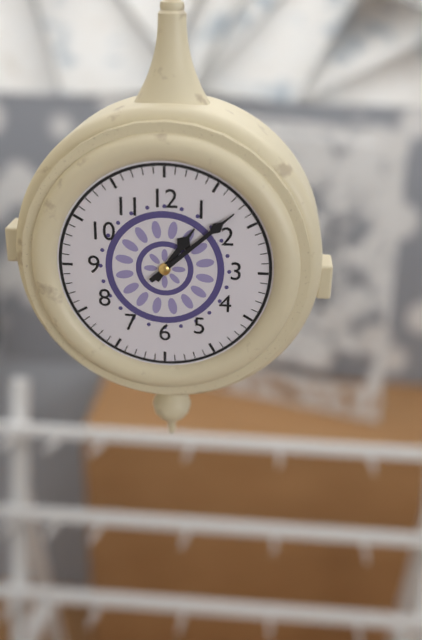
1:08
